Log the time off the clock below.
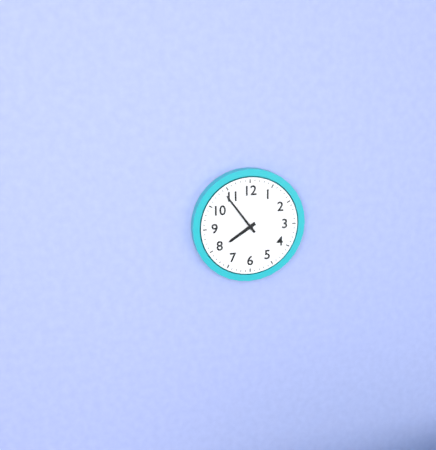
7:54
